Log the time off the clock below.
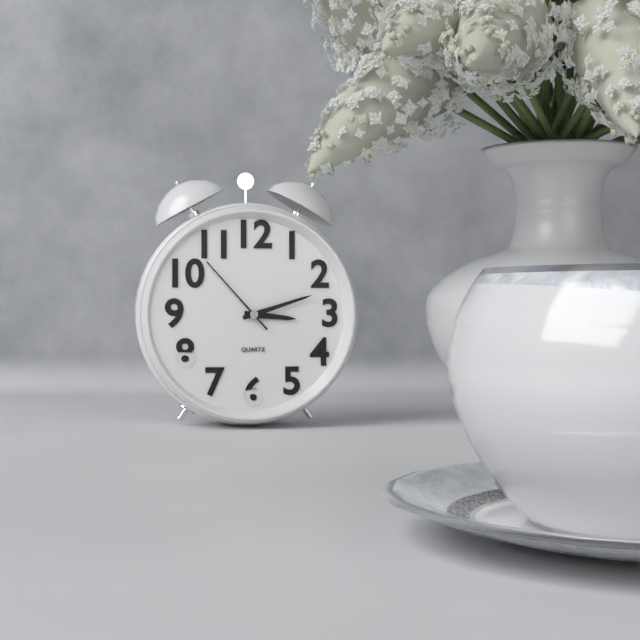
3:12:53
